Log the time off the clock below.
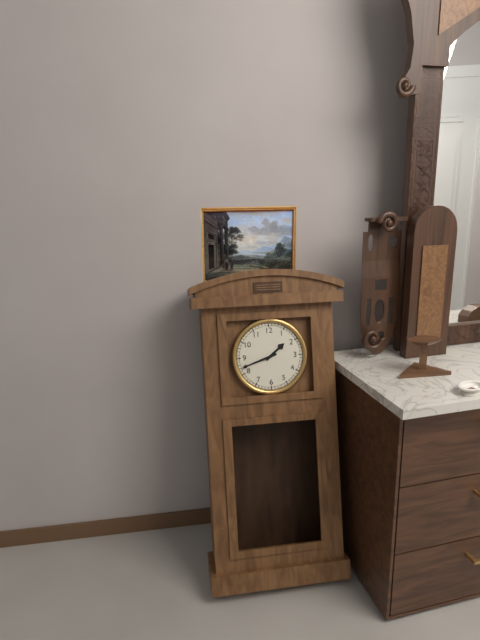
1:42
